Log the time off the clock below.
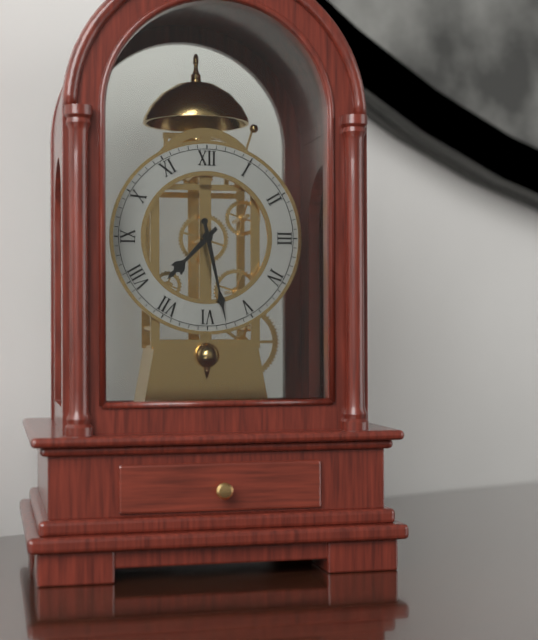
7:28
